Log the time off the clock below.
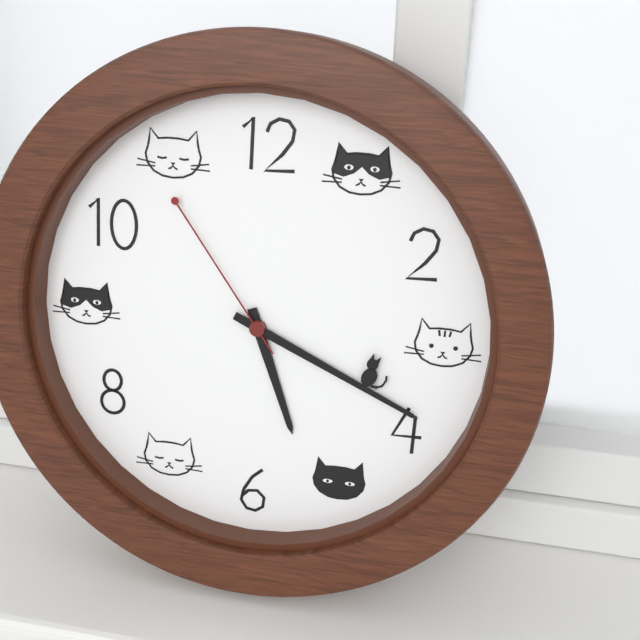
5:19:54
